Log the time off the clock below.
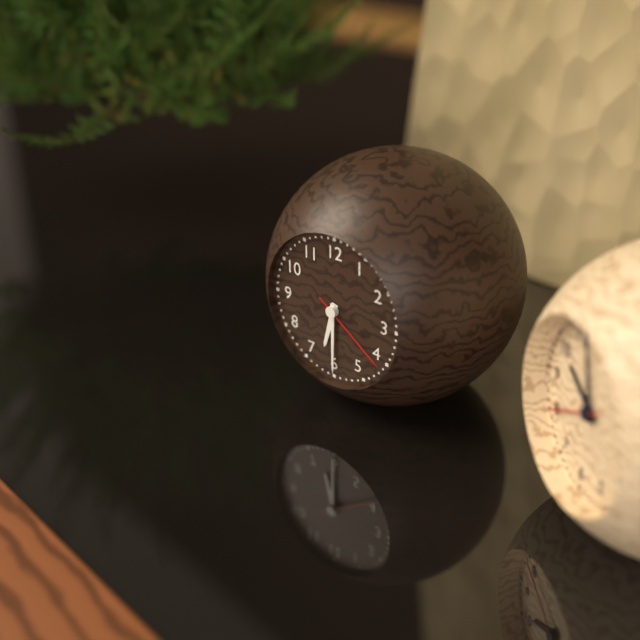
6:30:21
